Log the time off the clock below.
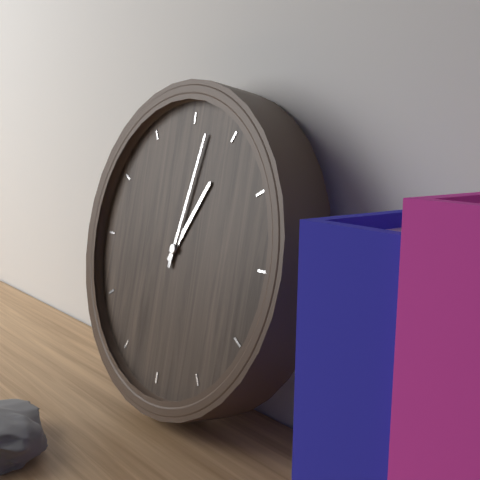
1:02
